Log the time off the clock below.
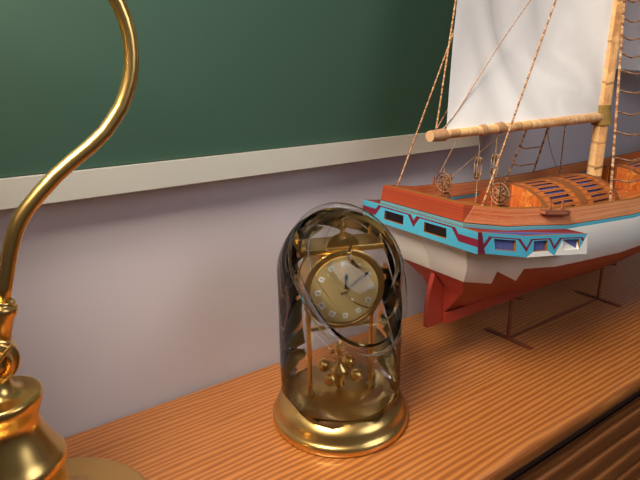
12:09
